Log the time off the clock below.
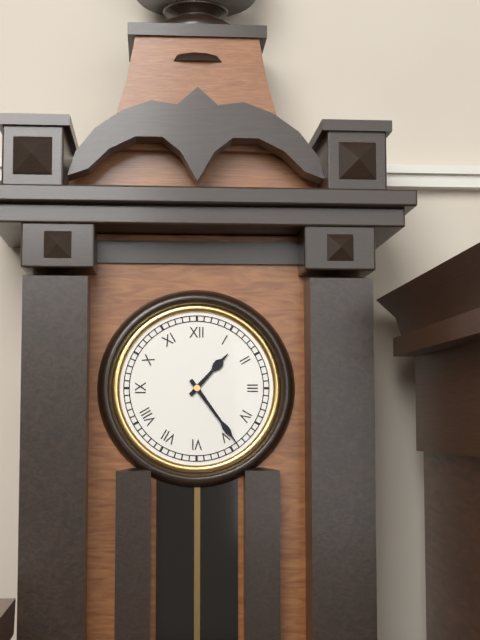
1:24
